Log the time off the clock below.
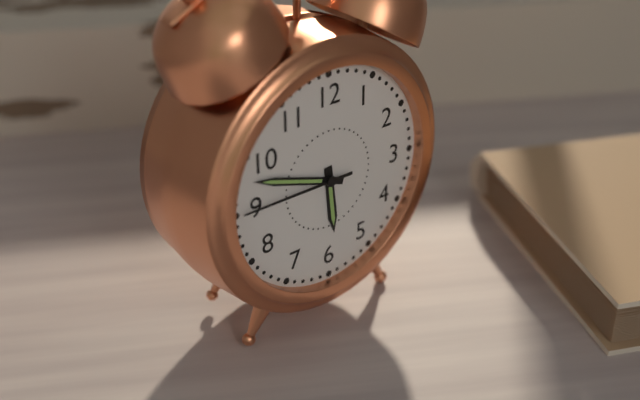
5:48:45
